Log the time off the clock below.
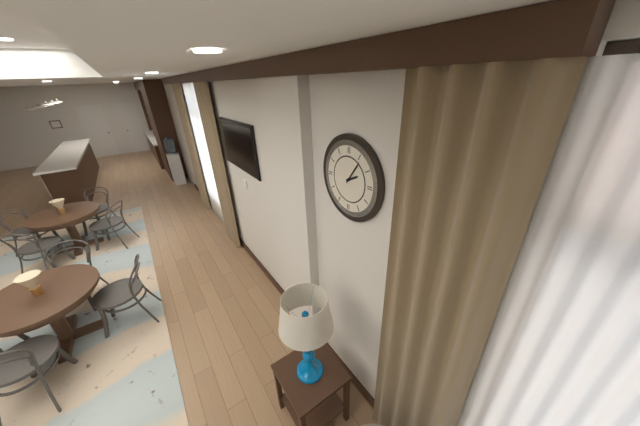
2:06
